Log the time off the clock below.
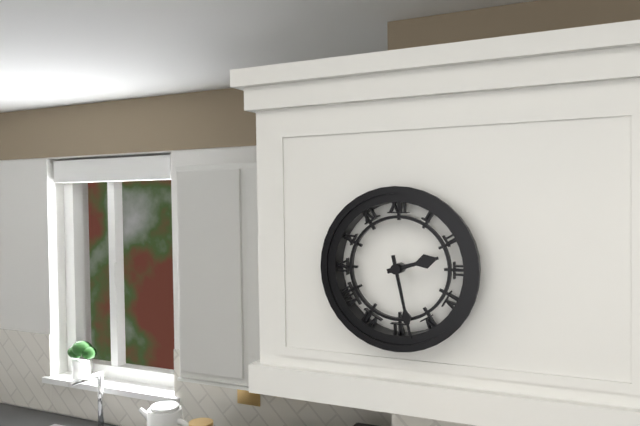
2:28
